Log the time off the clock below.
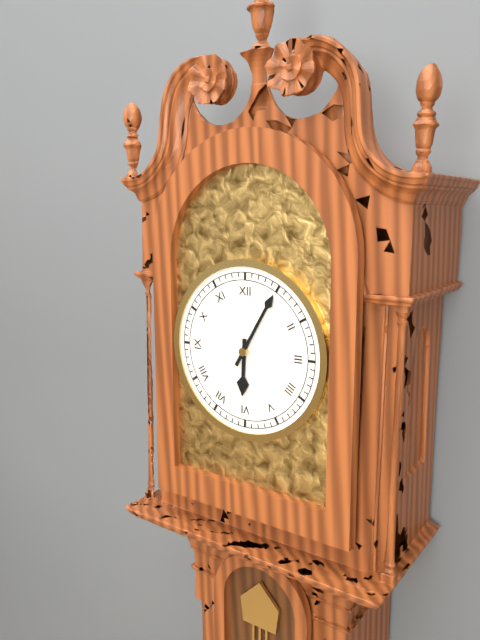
6:05
